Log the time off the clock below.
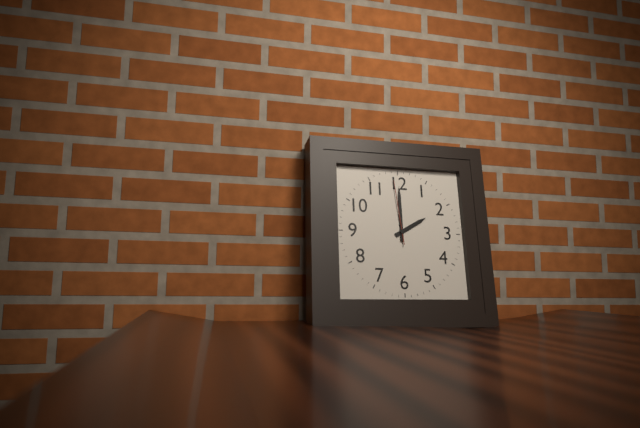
2:00:59
